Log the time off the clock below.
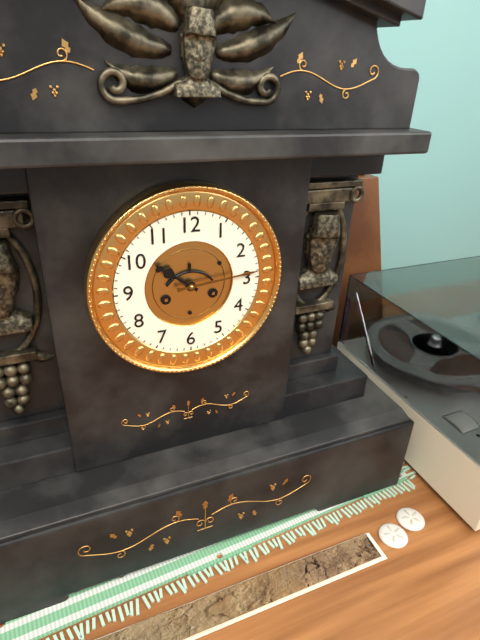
10:14
